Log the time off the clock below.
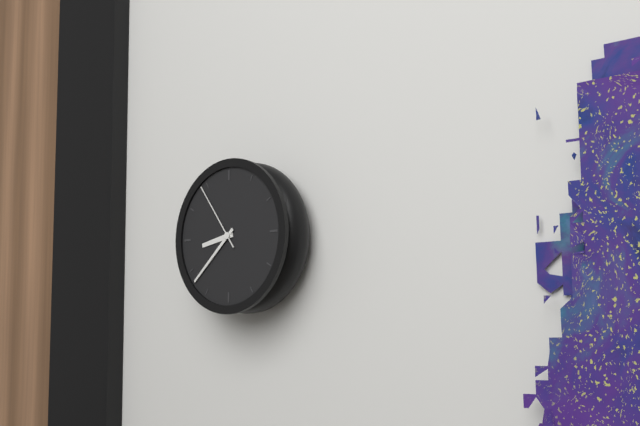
8:38:54
